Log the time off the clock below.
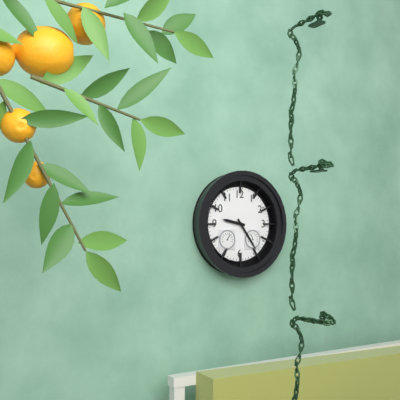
9:24
